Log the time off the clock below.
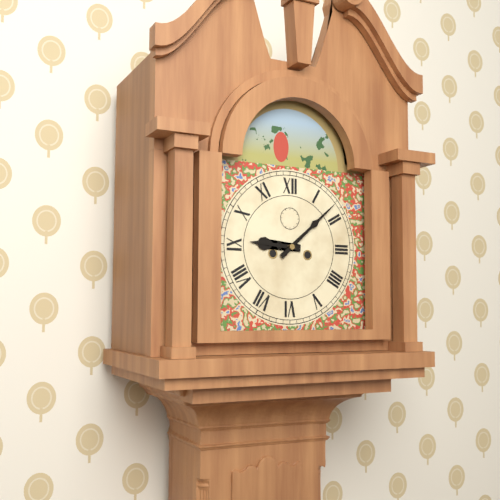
9:08
